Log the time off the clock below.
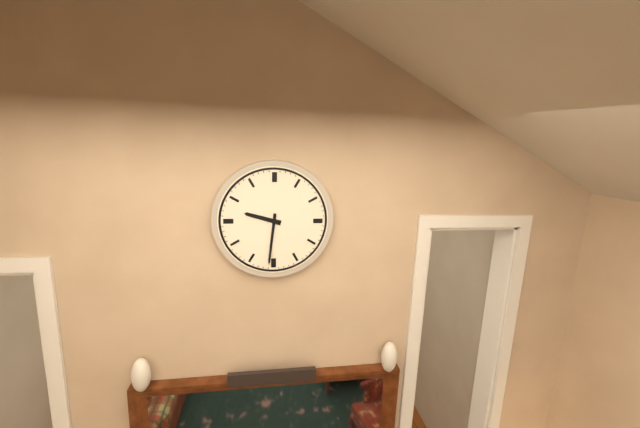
9:31
